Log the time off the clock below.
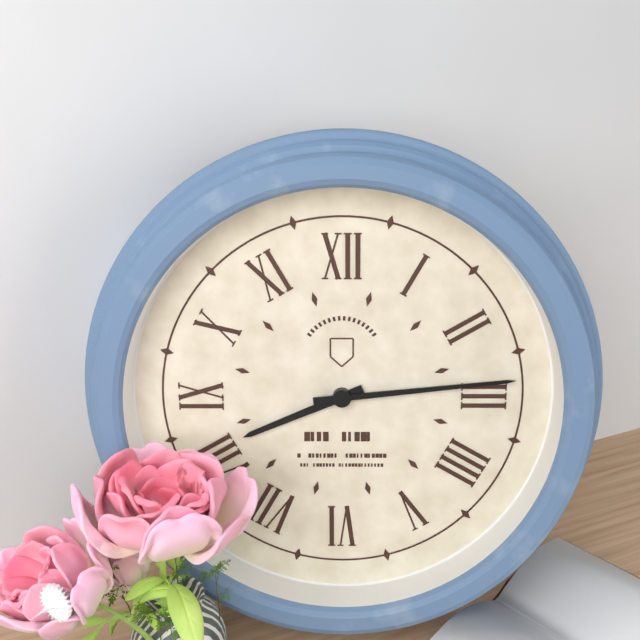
8:14
